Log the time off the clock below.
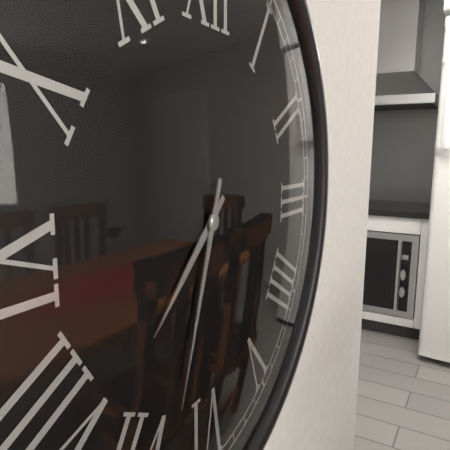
7:33
